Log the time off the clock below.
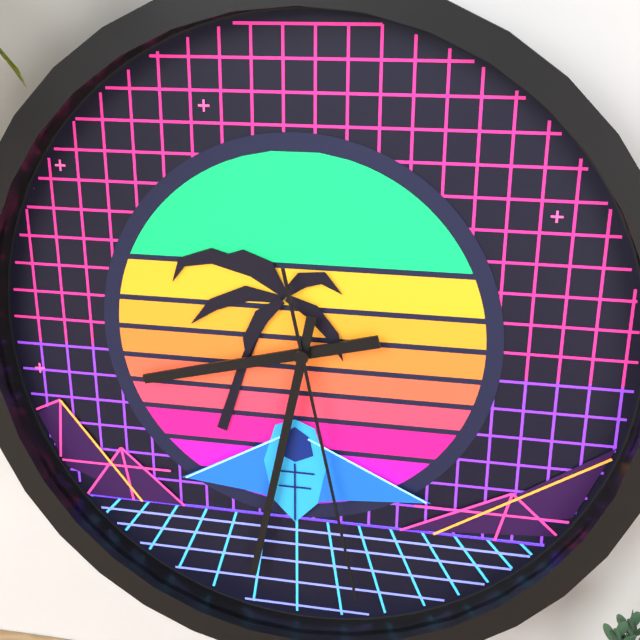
8:32:28
